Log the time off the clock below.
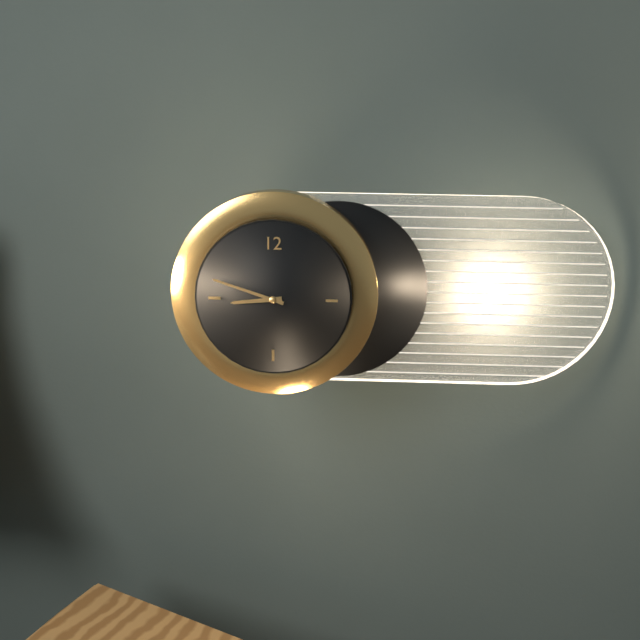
8:48
